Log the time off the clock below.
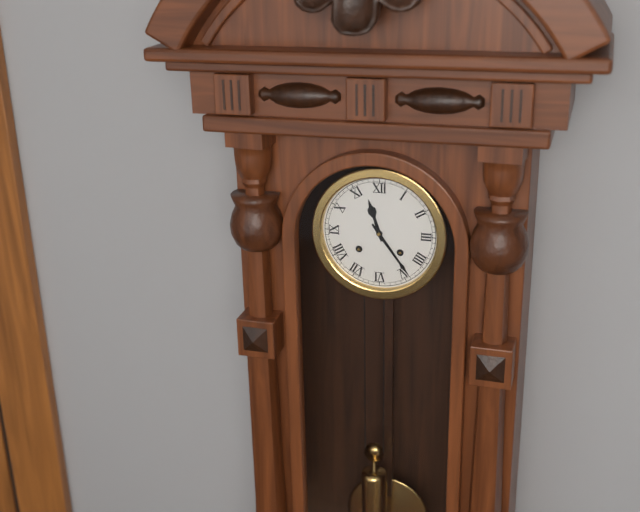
11:24
